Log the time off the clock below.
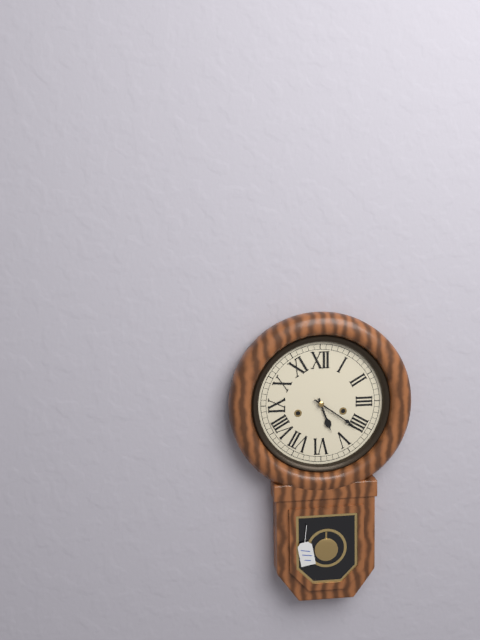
5:21
